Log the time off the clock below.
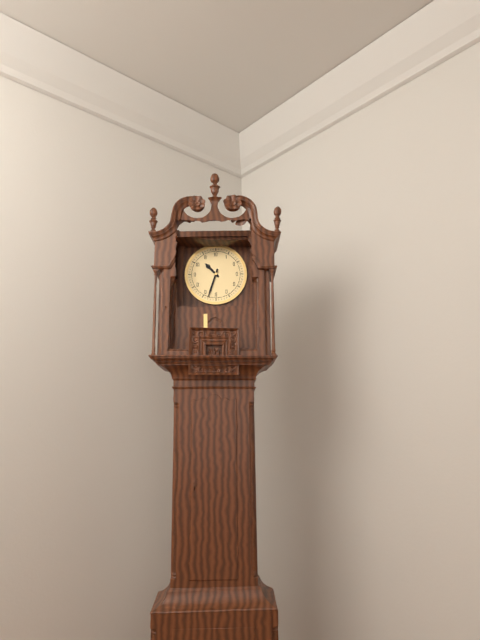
10:33
